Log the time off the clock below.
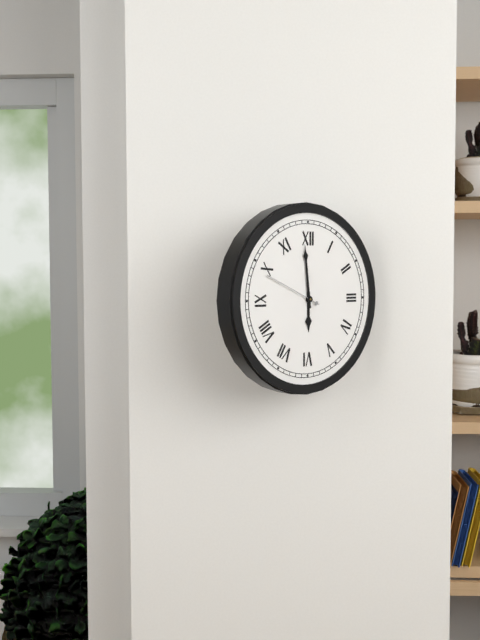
5:59:49
